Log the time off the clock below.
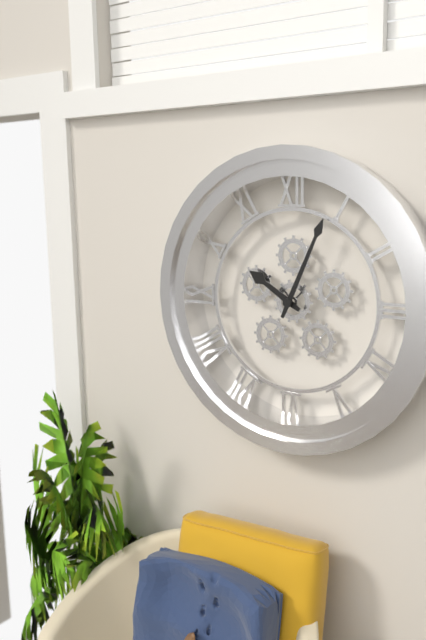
10:04
